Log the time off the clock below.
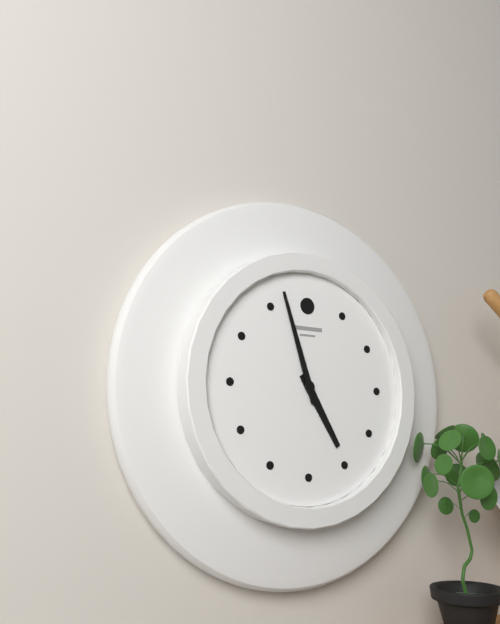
4:57
